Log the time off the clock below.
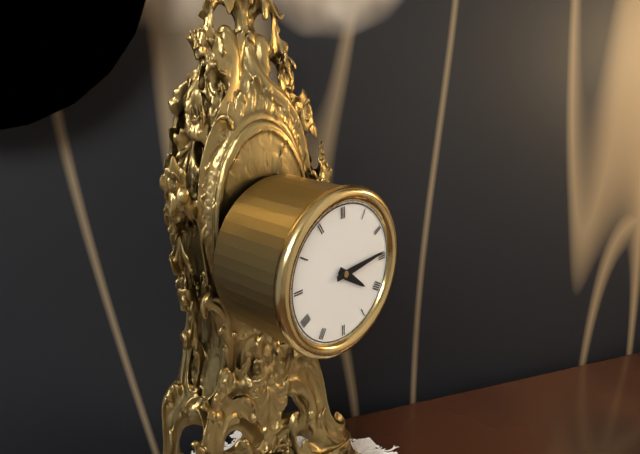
4:14
